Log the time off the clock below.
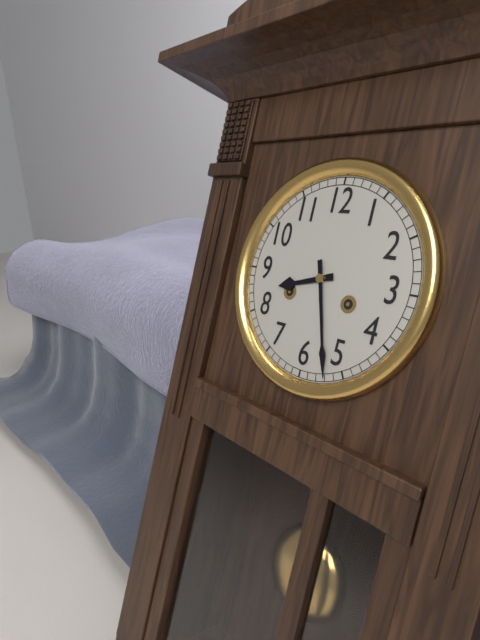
8:27
